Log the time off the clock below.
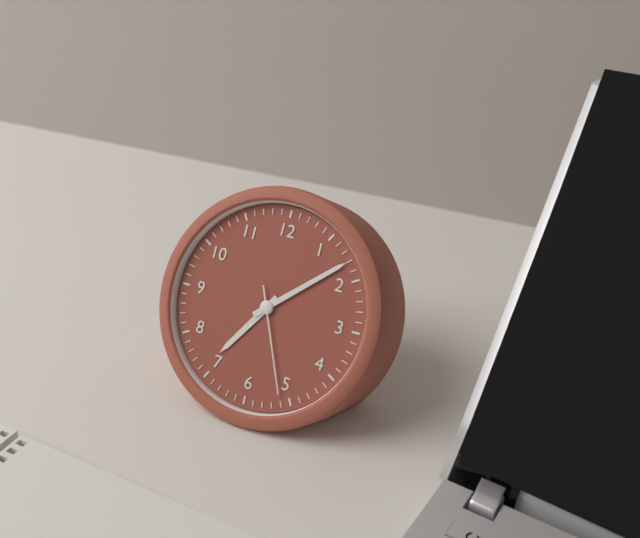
7:08:26
